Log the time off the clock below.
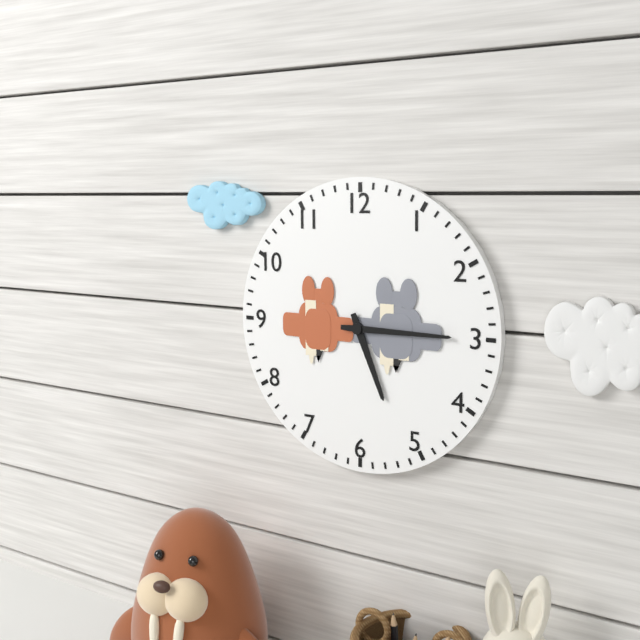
5:15
